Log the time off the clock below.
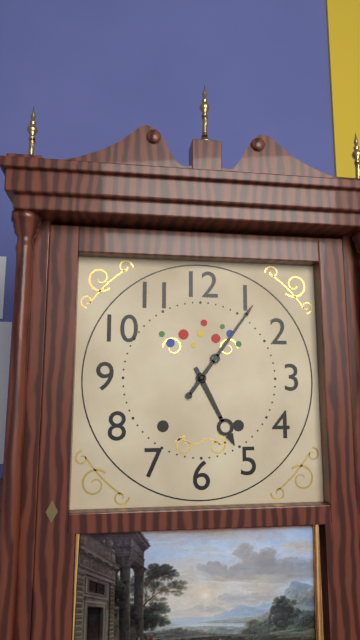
5:06
